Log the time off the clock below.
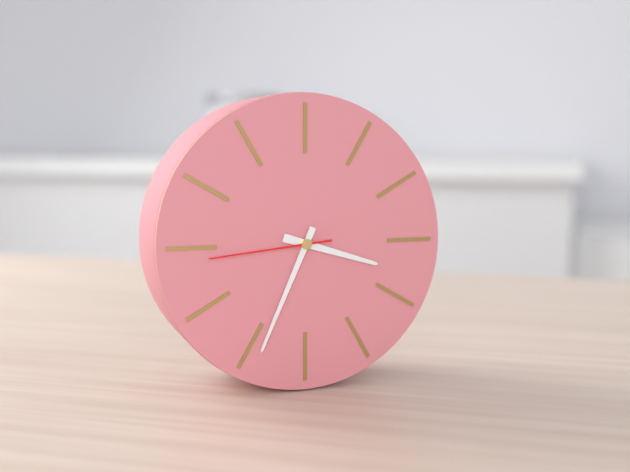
3:34:44
